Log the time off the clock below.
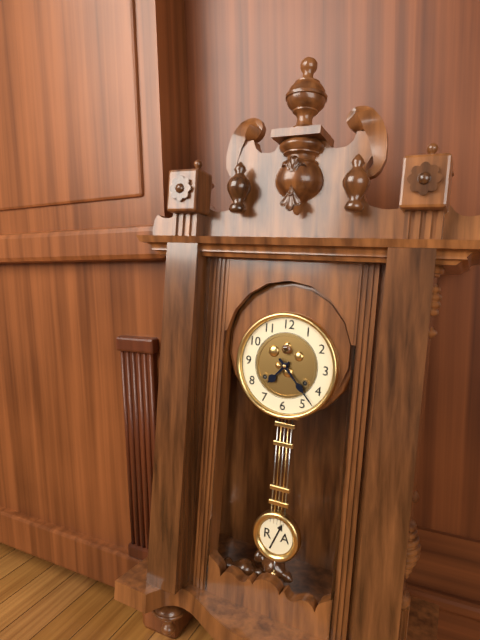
7:23
